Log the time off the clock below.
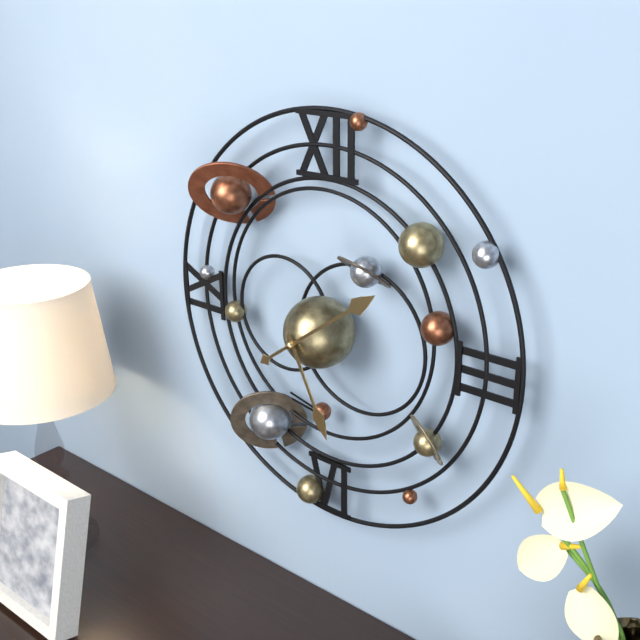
5:09
